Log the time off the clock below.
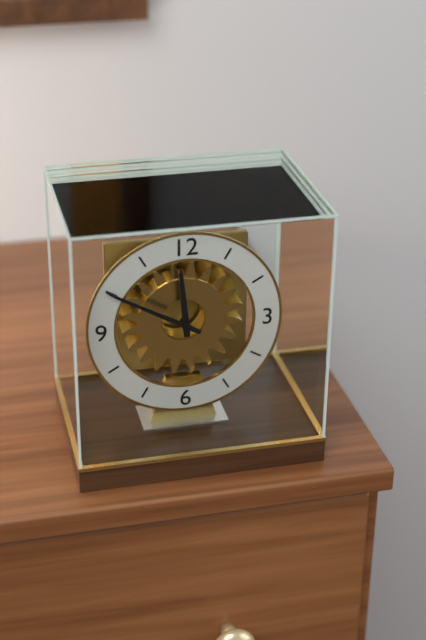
11:50
